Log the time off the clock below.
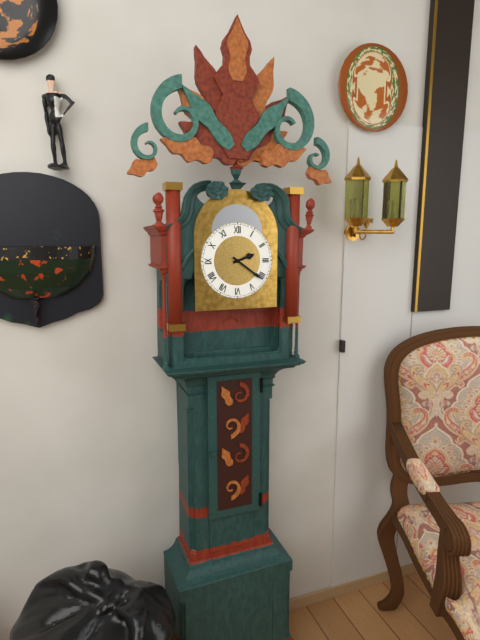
2:21
